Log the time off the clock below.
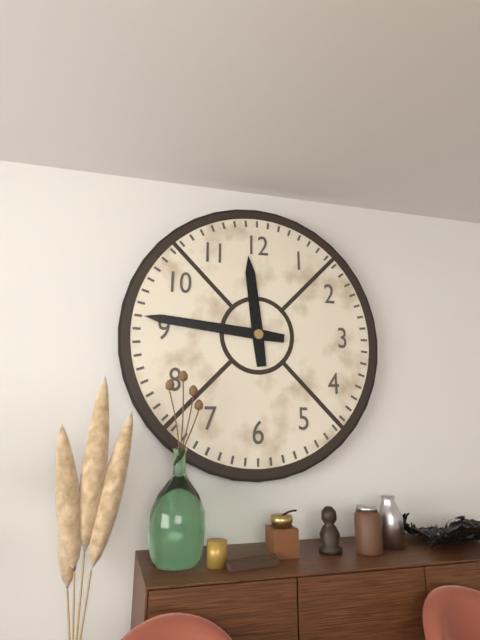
11:46
